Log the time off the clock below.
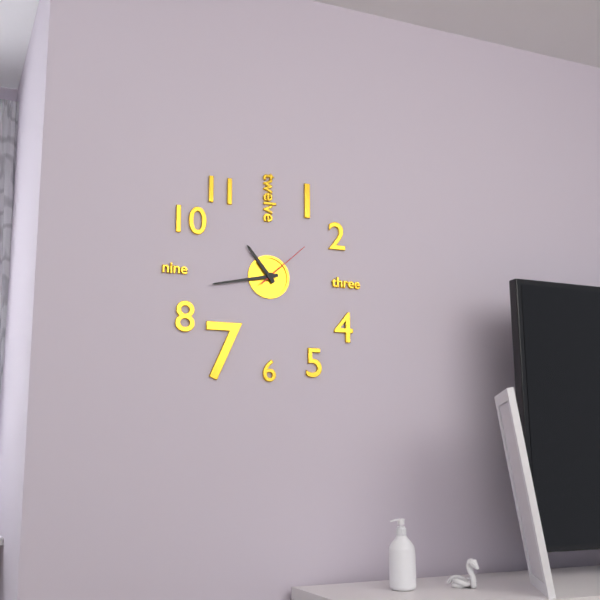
10:43:08
